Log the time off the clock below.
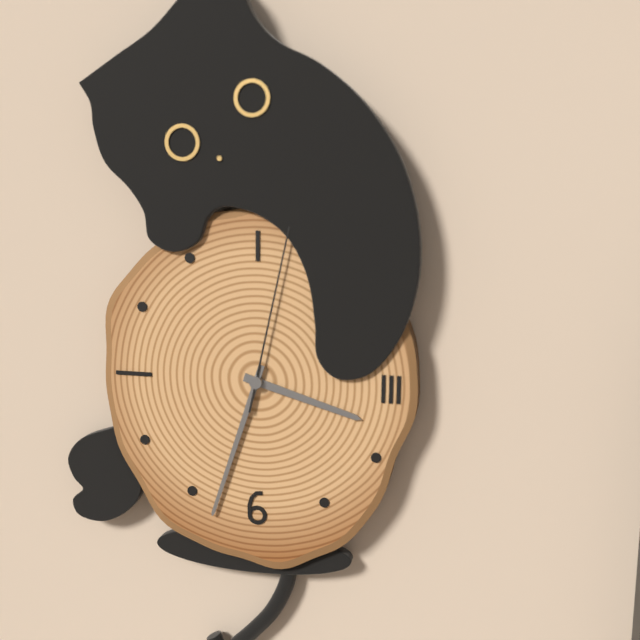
3:33:02
